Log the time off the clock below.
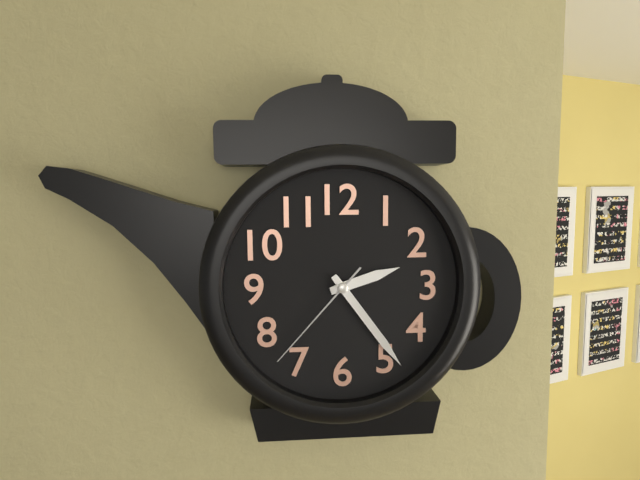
2:24:37
